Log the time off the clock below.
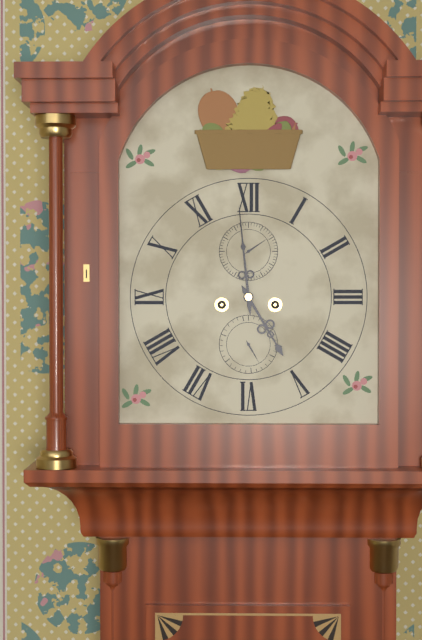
4:59
